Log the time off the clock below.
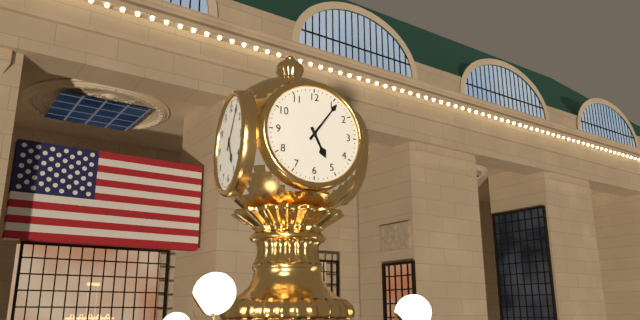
5:06
